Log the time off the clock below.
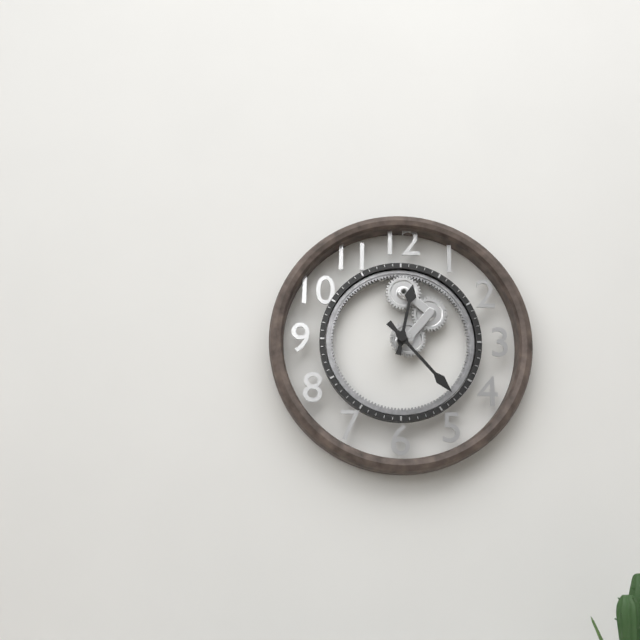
12:23
